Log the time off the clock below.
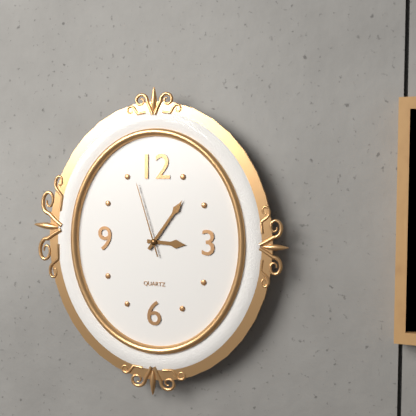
3:06:57
